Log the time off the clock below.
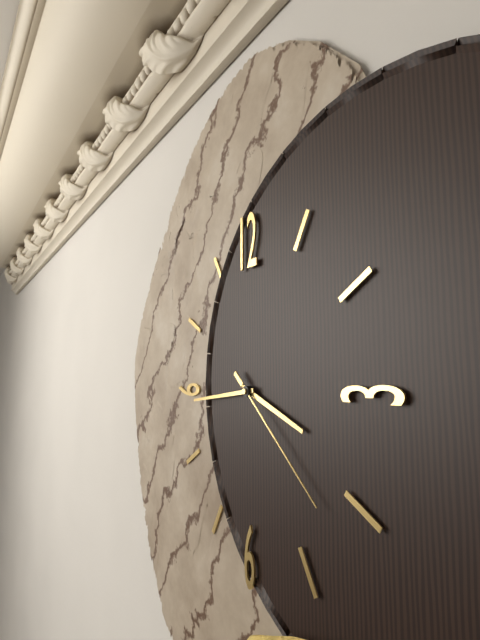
3:44:22
